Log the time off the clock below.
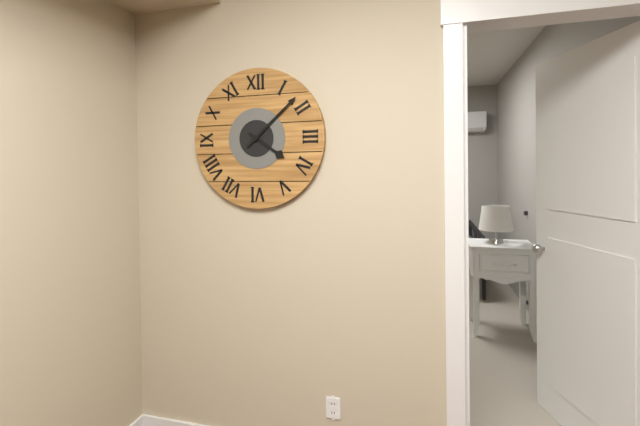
4:08
